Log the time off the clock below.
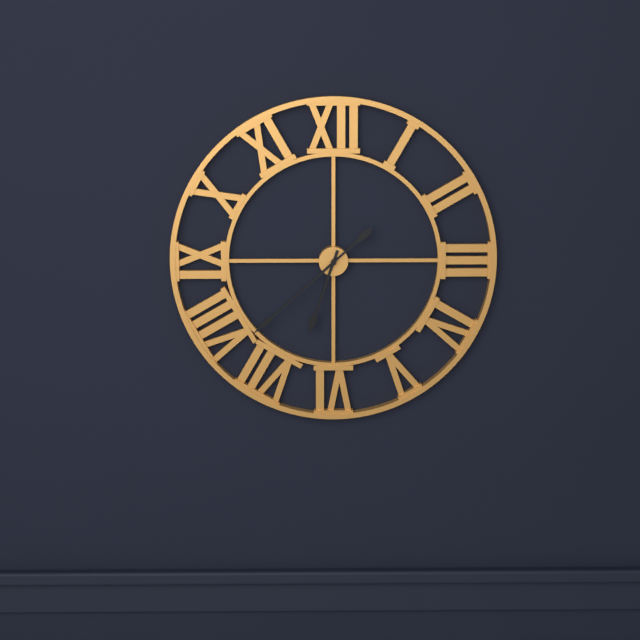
6:38
